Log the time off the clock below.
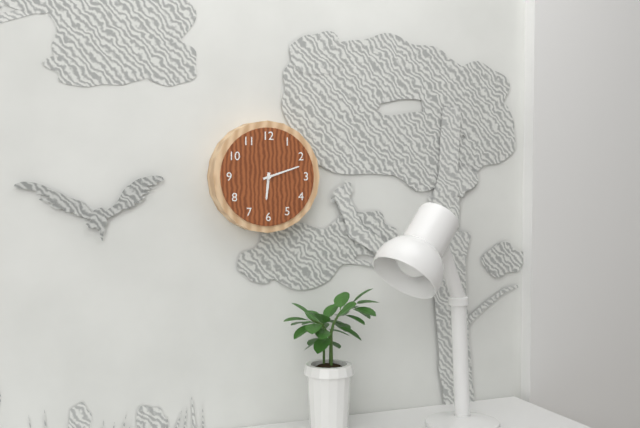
6:12
